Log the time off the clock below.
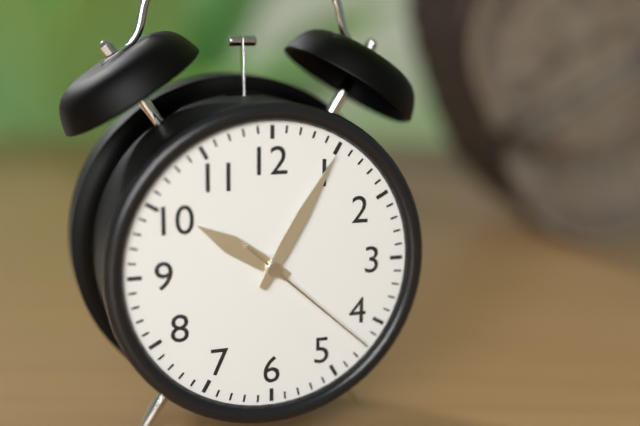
10:05:22
